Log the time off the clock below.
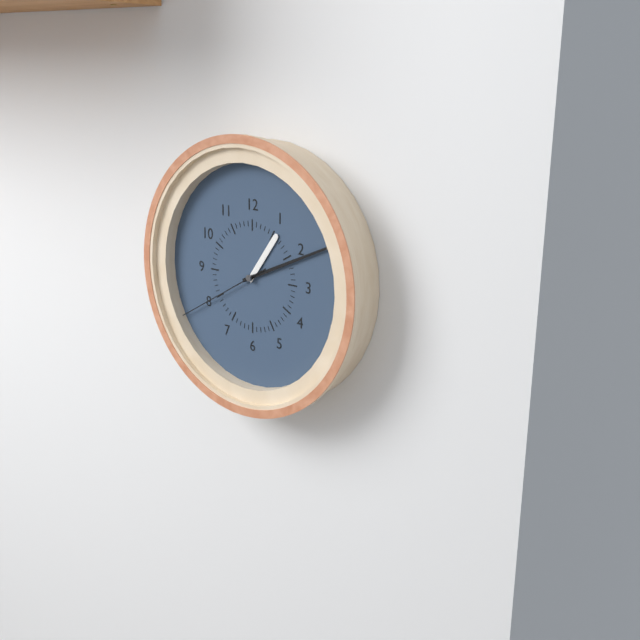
1:11:40
